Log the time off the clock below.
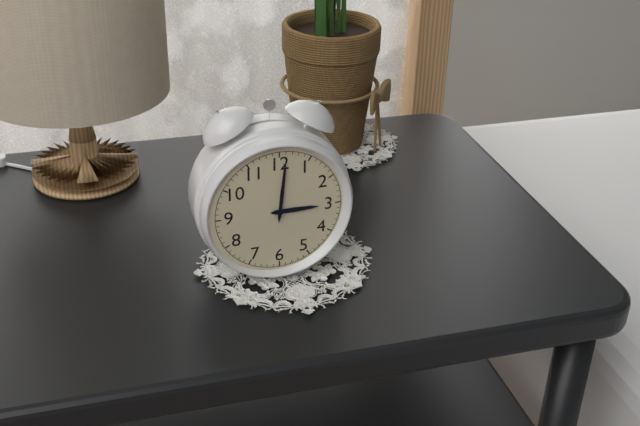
3:01
